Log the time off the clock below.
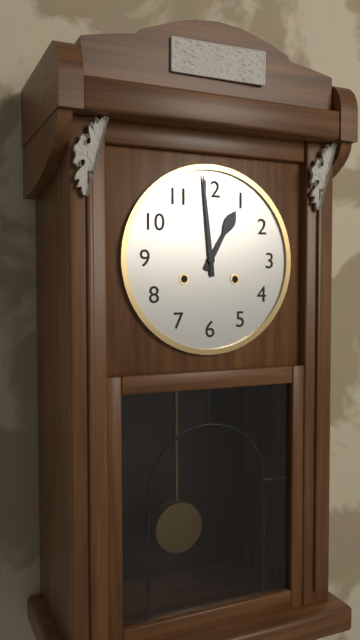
12:59
